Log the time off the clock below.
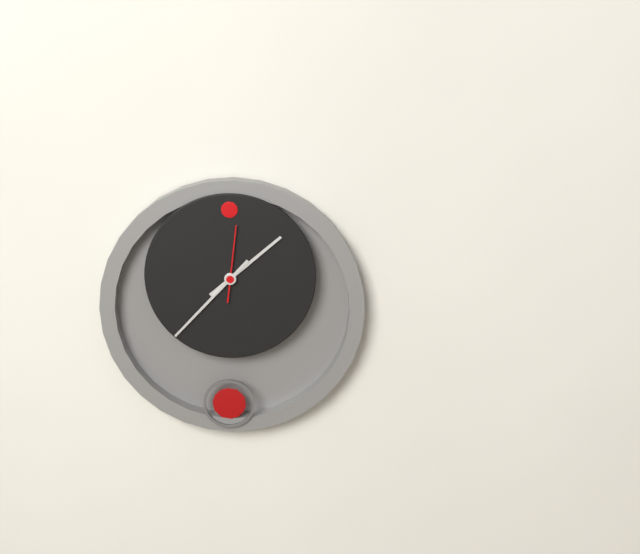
1:37:01
